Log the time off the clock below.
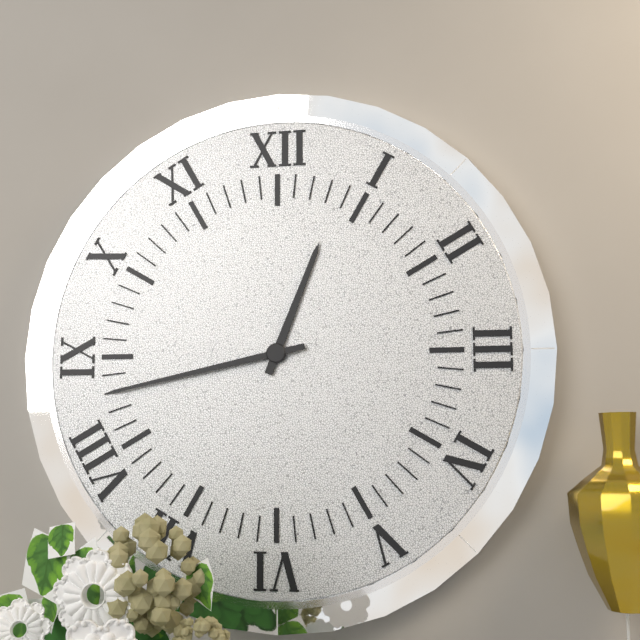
12:43
